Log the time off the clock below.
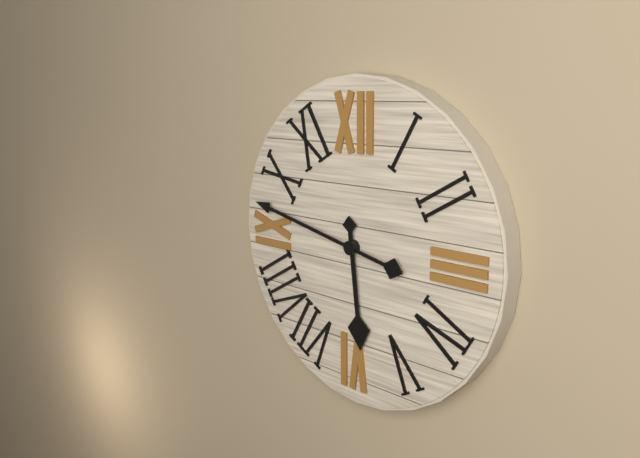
5:47
